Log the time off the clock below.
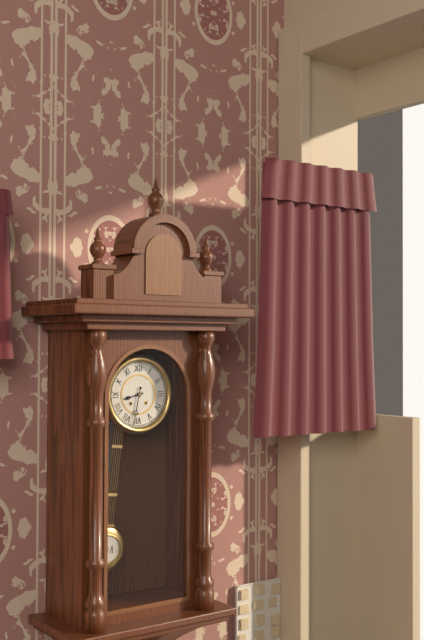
8:32
